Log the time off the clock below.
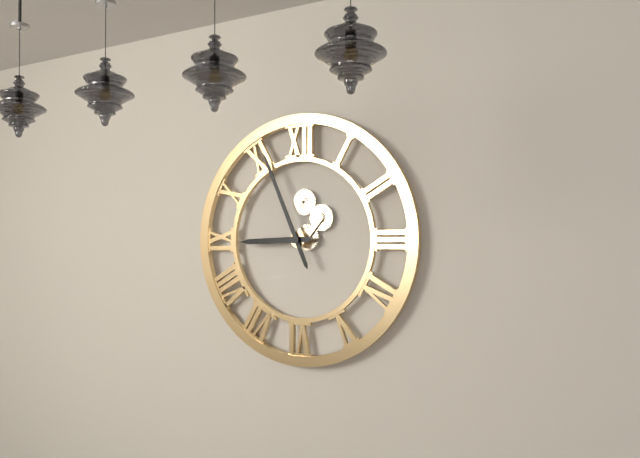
8:56
